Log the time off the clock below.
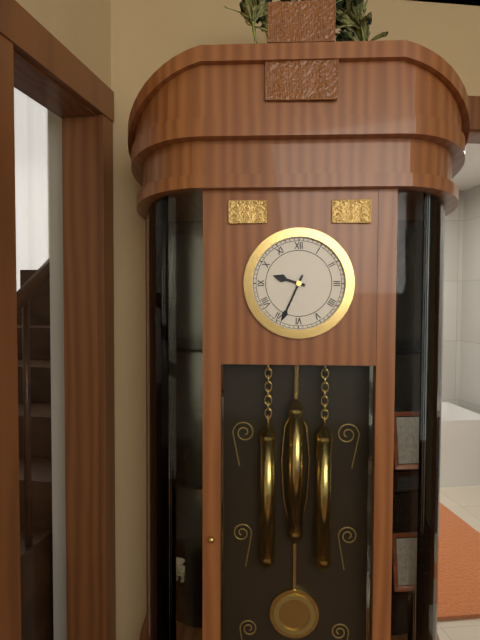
9:34
